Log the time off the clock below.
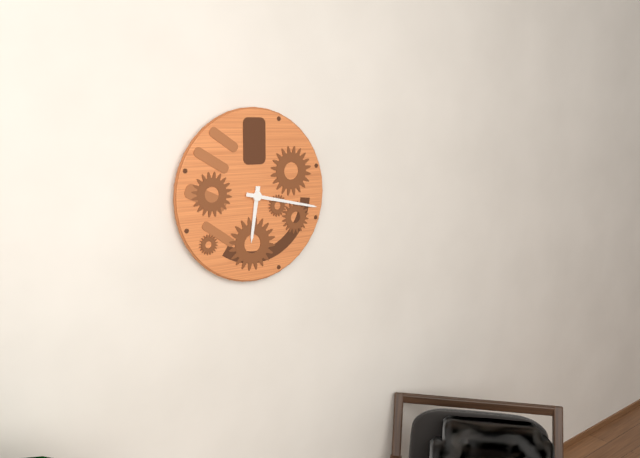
6:17
